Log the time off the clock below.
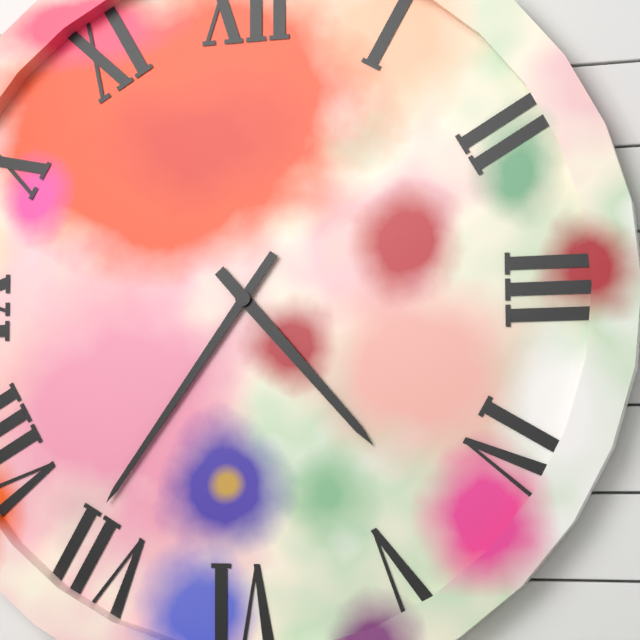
4:36
